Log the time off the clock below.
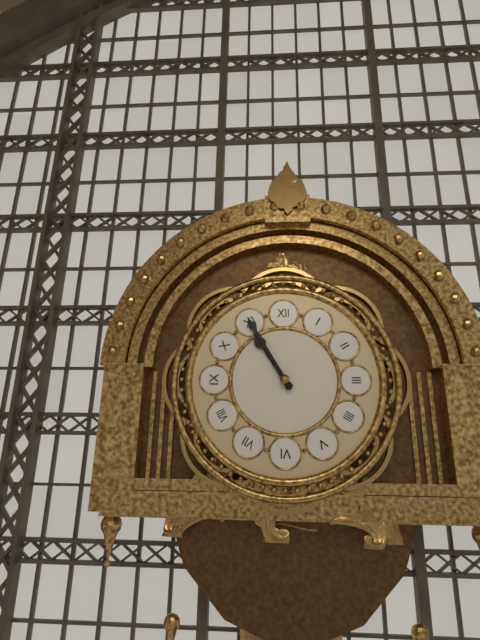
10:55
